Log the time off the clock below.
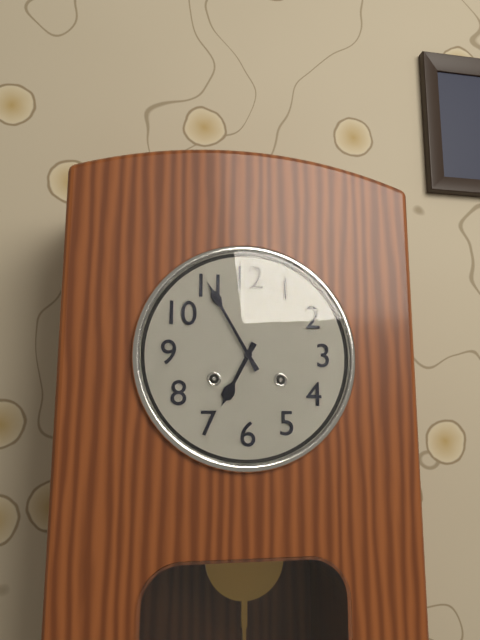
6:55
